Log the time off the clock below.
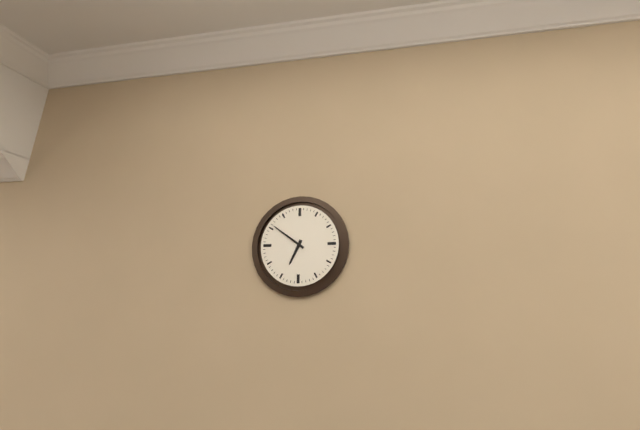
6:51
